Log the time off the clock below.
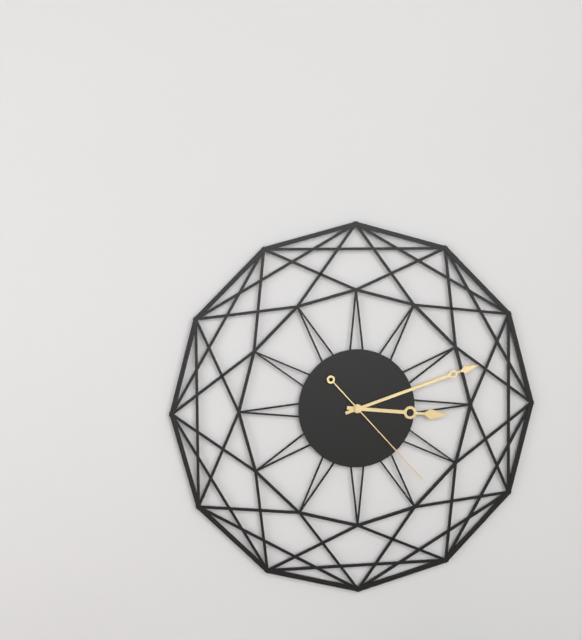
3:12:23
